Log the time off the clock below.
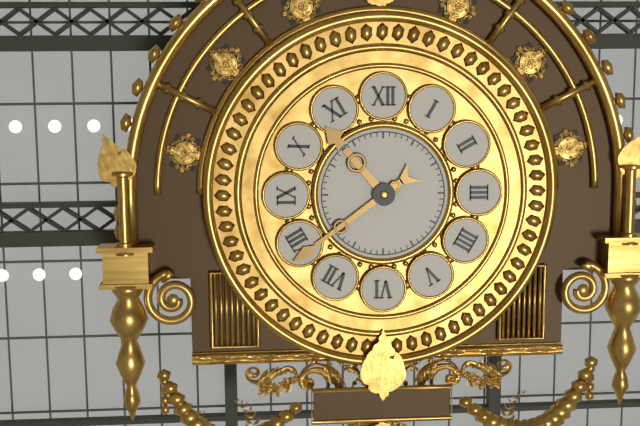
10:39
